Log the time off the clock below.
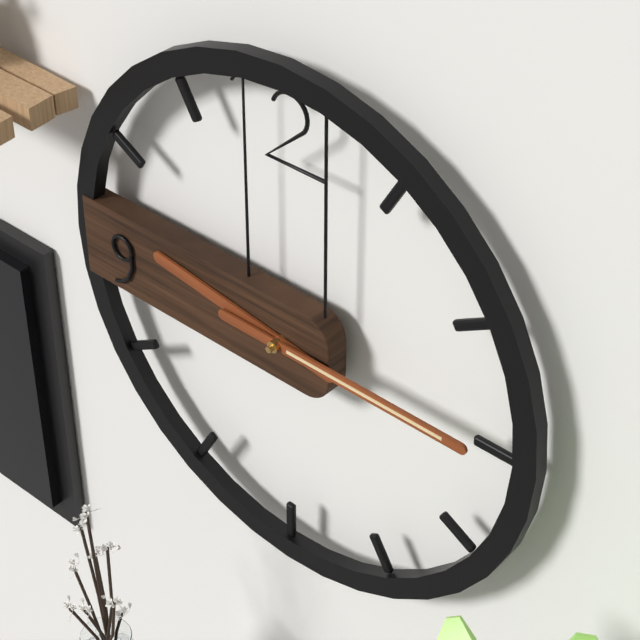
9:15
